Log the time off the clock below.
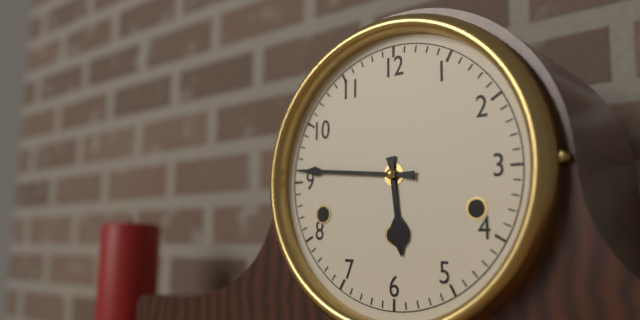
5:46
